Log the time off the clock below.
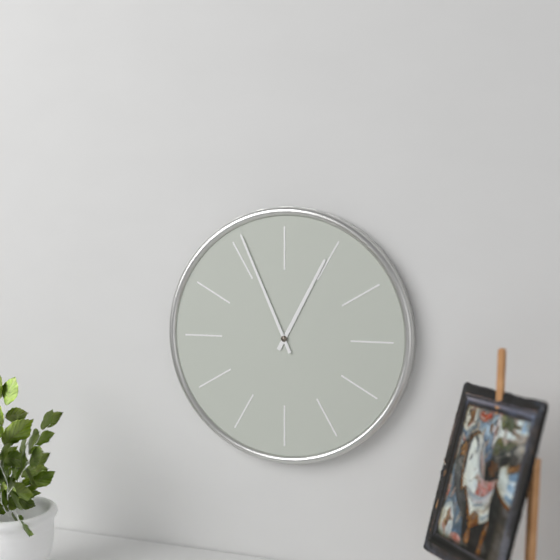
12:56
